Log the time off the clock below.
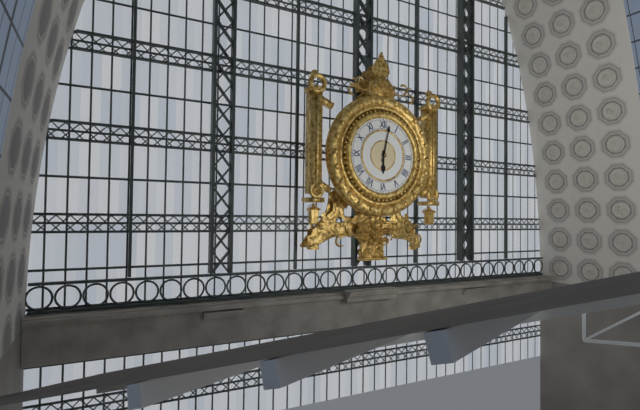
6:02
